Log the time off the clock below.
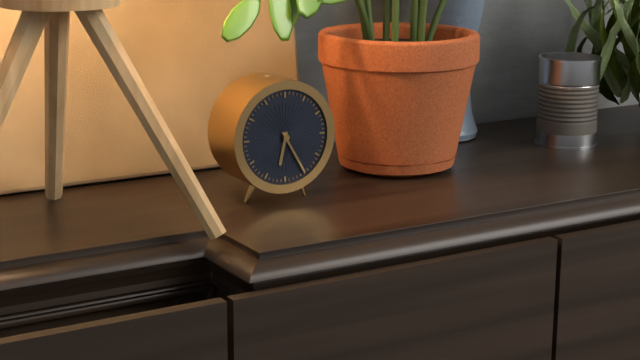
6:25
